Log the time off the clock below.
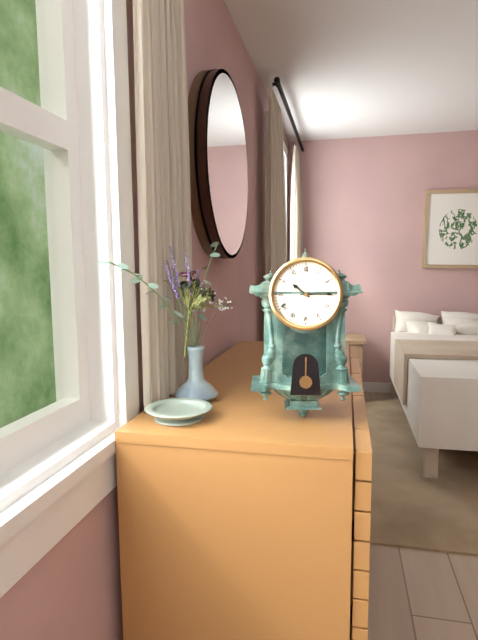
10:15
